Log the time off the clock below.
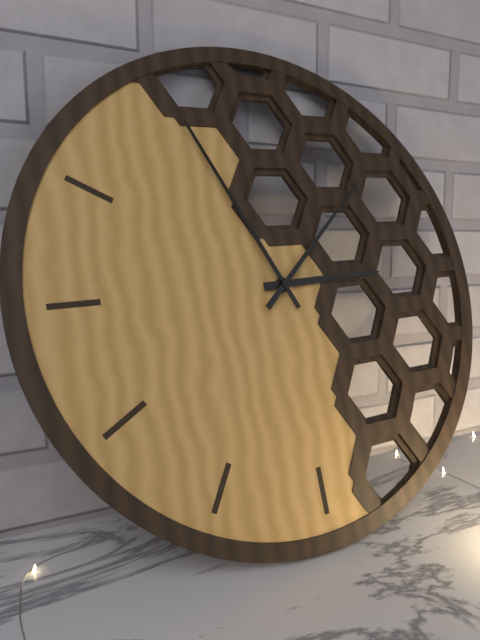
2:56:08
